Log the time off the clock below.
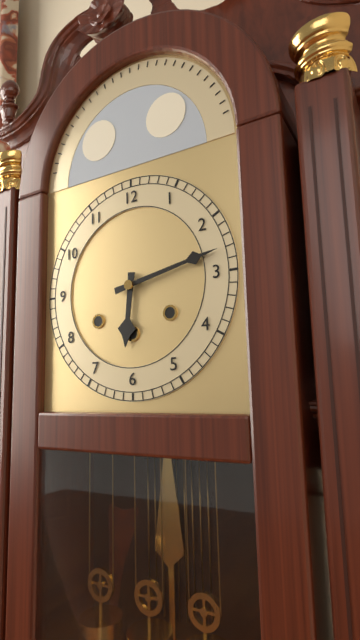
6:13
